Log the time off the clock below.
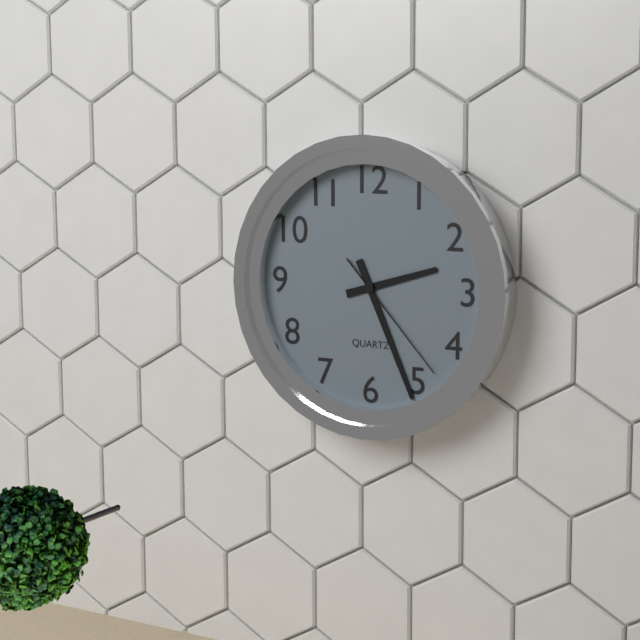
2:26:23
